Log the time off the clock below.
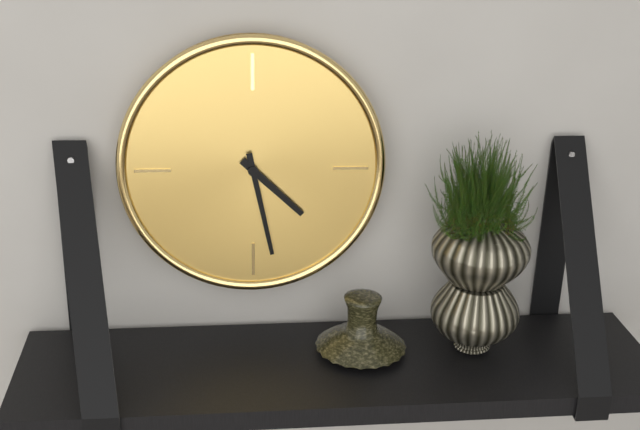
4:28
